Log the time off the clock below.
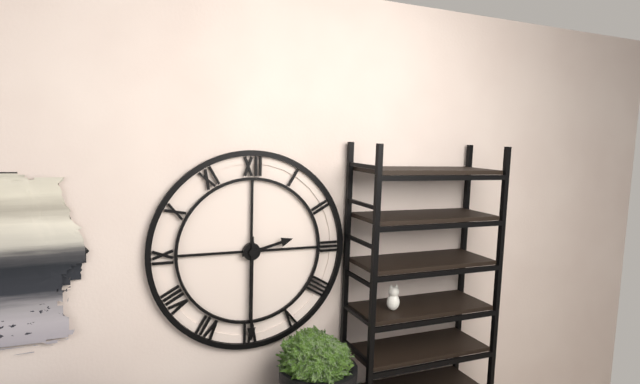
2:30
